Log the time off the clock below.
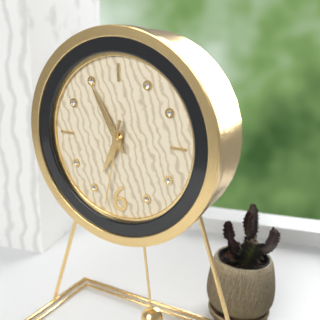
6:55:32
